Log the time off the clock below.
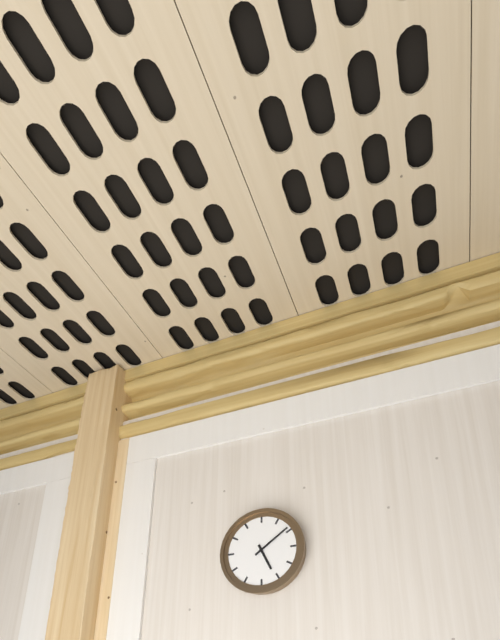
5:09
